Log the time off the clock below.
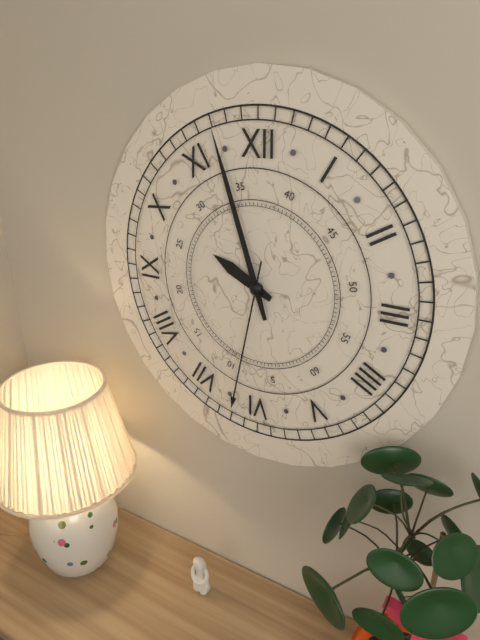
9:57:32
